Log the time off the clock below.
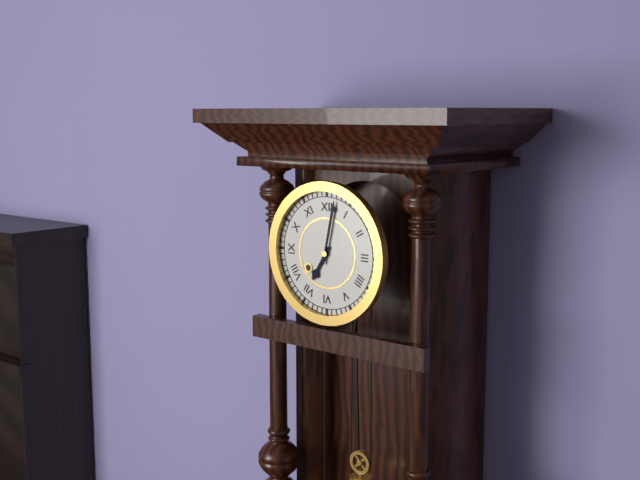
7:02
